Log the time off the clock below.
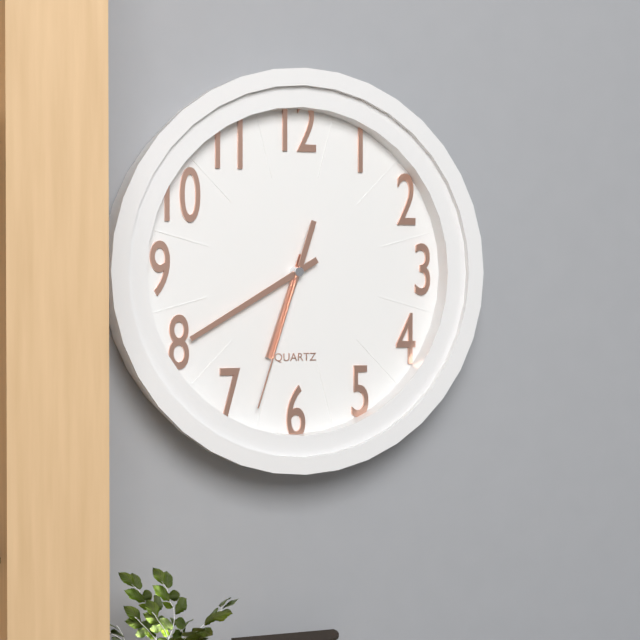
6:40:33
